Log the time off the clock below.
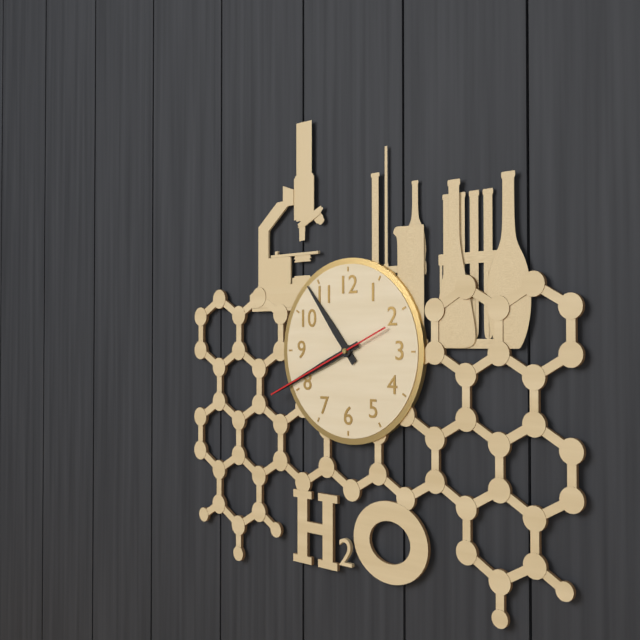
10:41:41
